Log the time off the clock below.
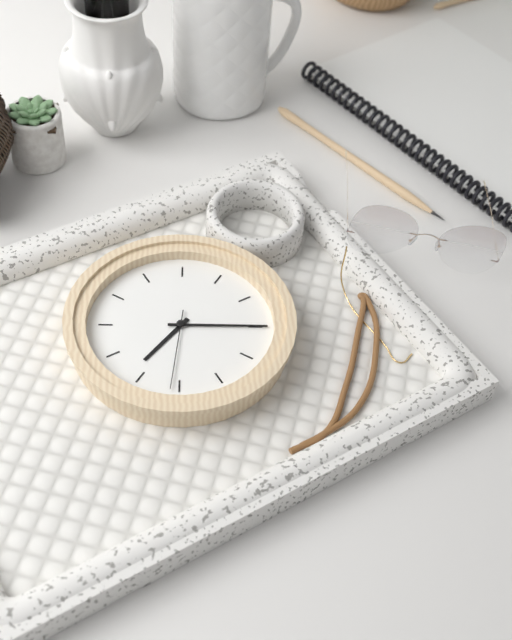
7:15:31
